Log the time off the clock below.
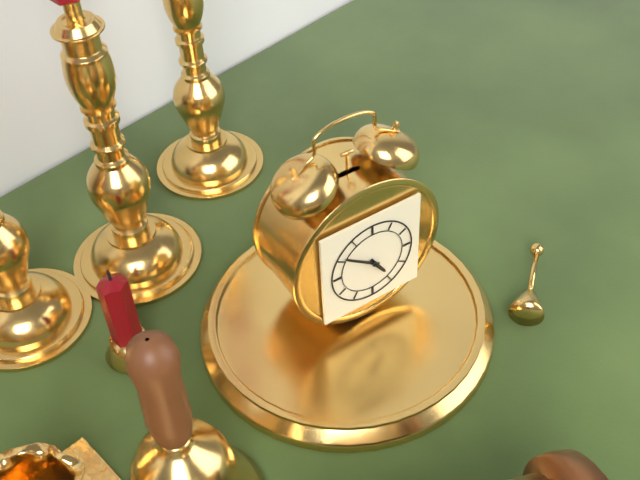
4:51
